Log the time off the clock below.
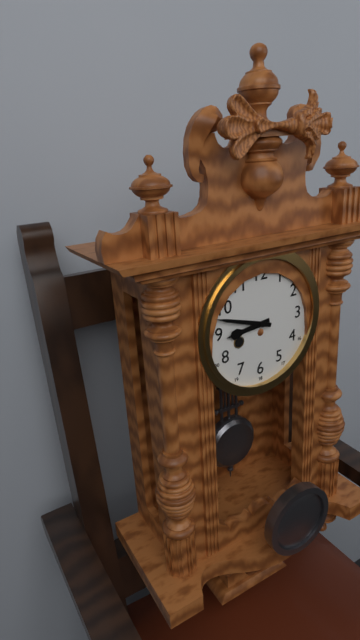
8:48
